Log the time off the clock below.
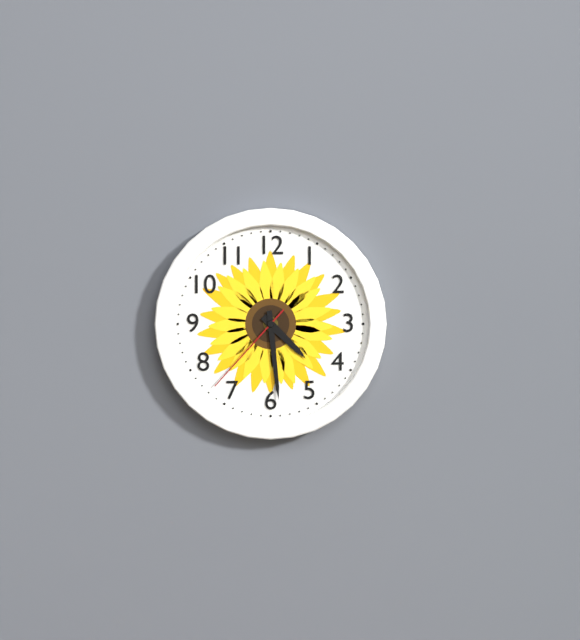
4:29:37
